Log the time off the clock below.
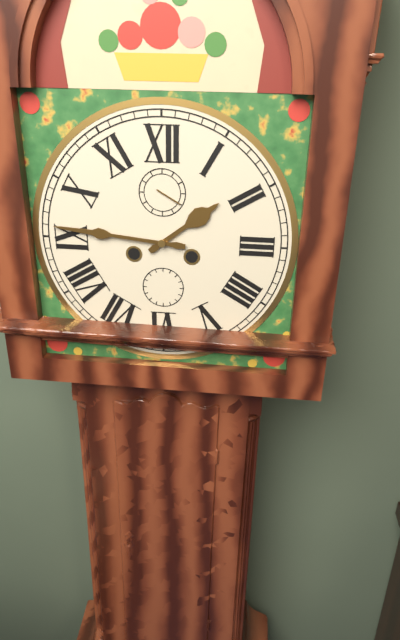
1:46
